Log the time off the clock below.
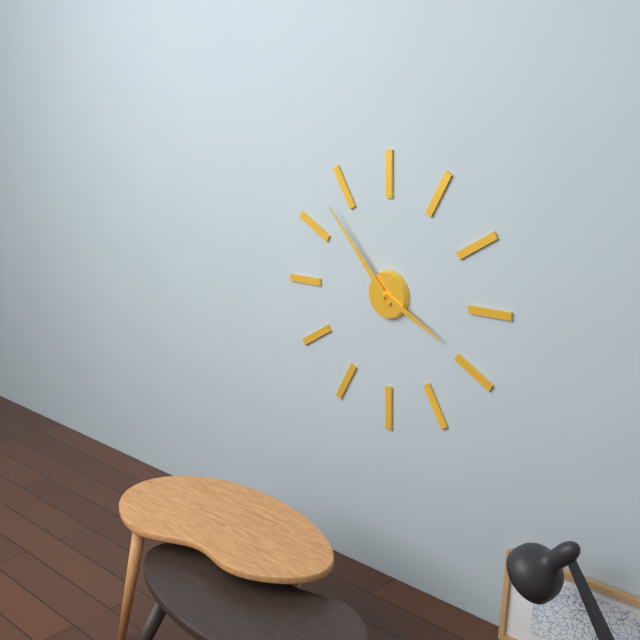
3:53
